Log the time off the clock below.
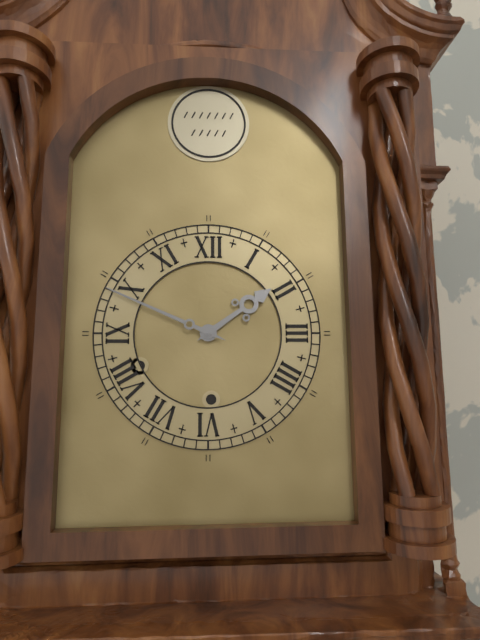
1:49
